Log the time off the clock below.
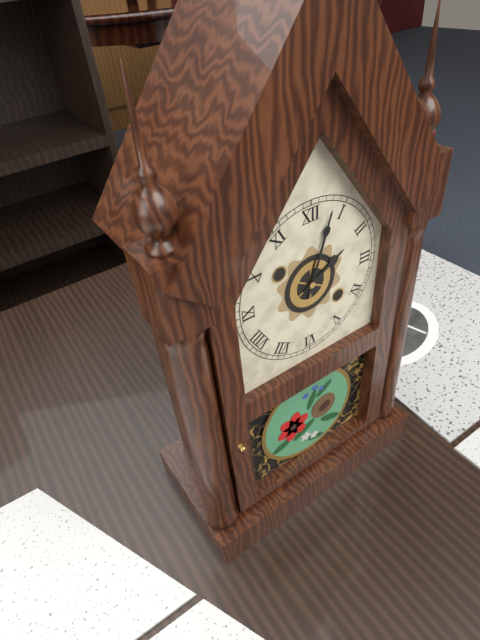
2:03
